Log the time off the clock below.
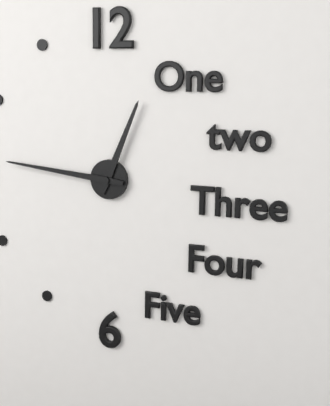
12:46
